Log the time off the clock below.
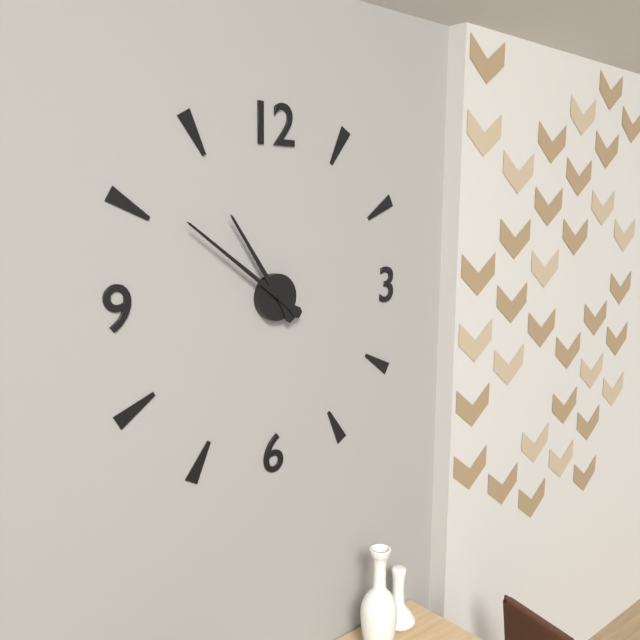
10:51
